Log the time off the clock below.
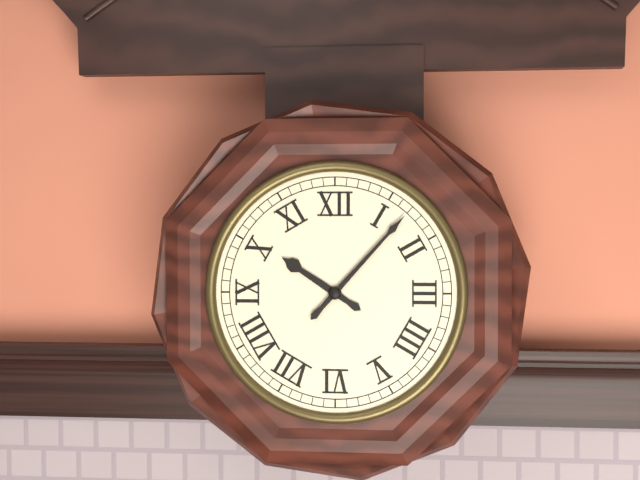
10:07
